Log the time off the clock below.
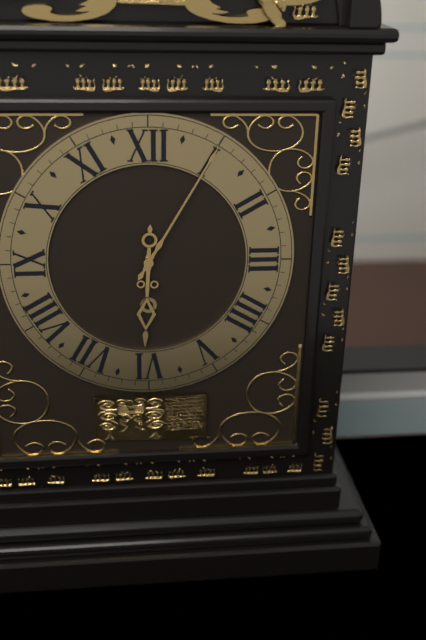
6:05
